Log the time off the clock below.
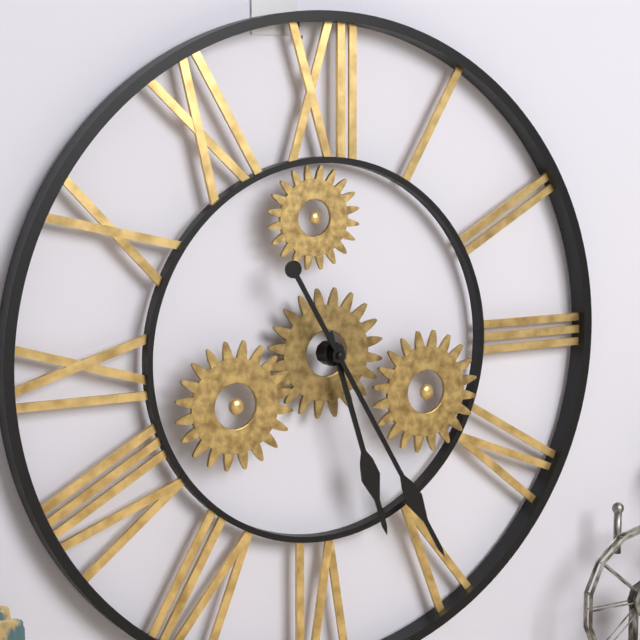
5:25
